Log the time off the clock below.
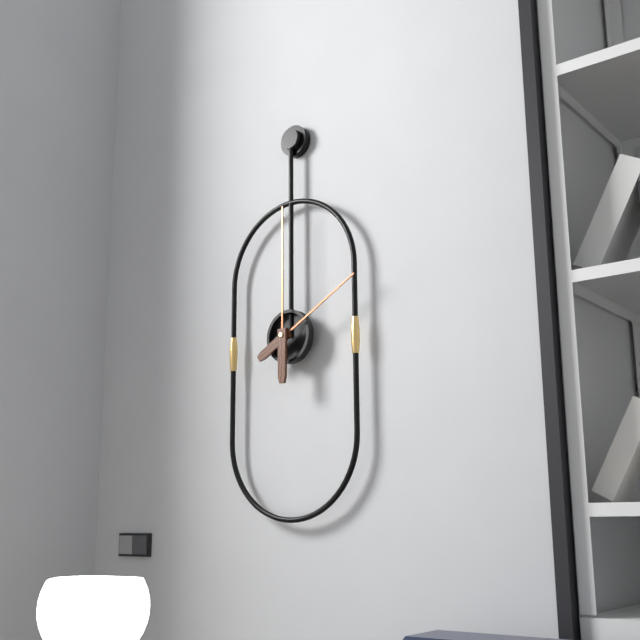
2:00
